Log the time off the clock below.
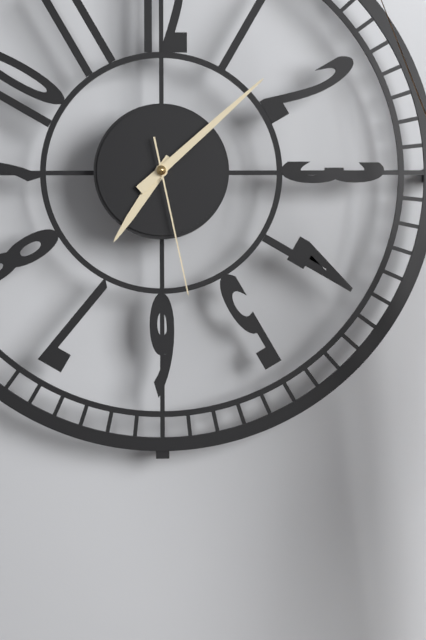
7:08:28
